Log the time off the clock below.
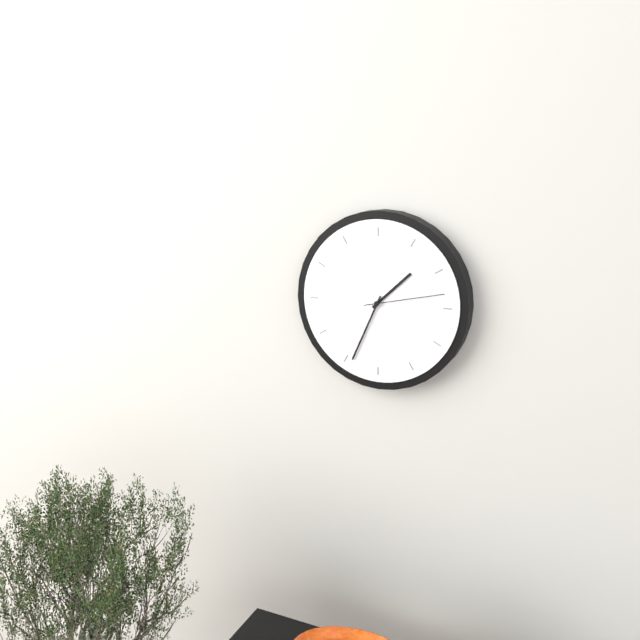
1:34:13
